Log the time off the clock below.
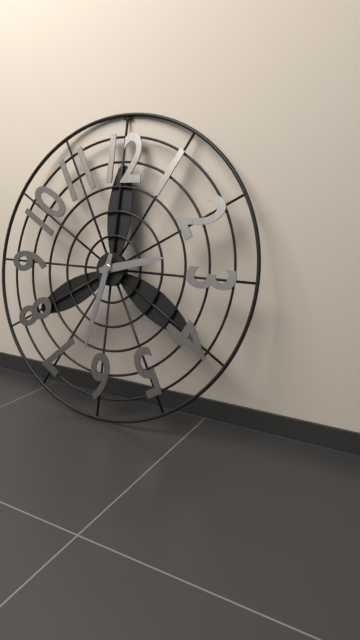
2:32
